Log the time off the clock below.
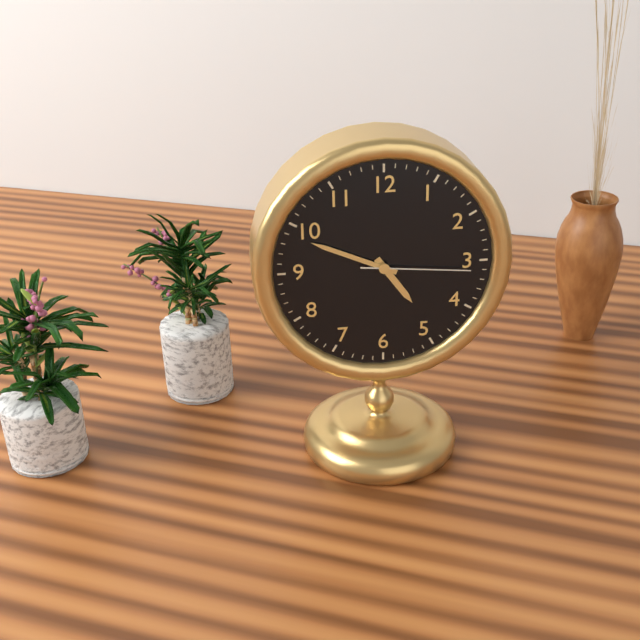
4:49:16
